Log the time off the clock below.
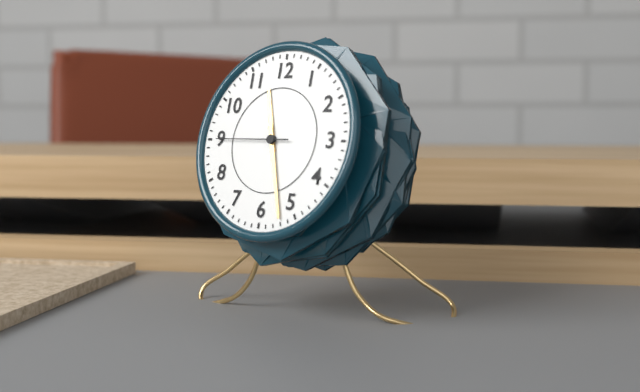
11:27:45
